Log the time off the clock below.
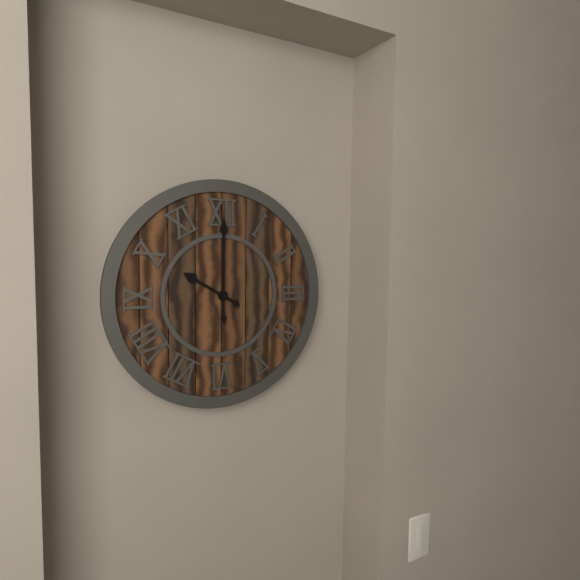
10:00
